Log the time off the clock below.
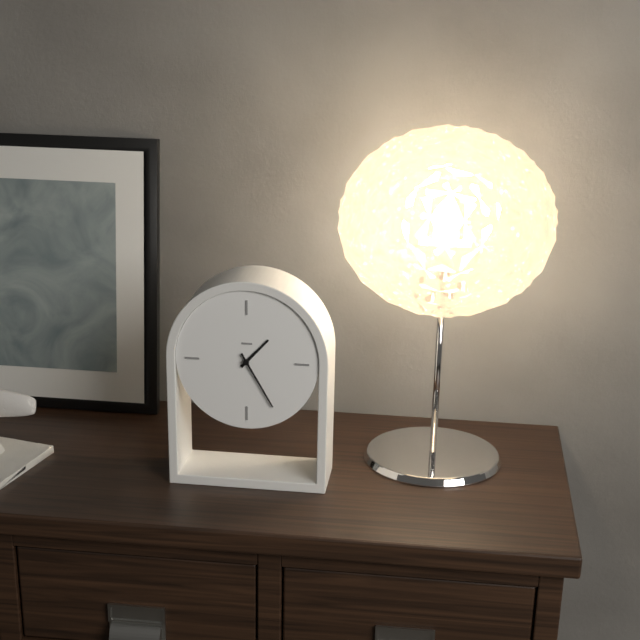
1:25
